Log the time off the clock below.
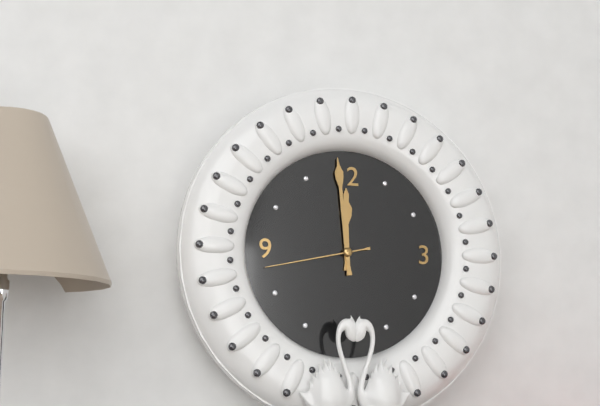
11:59:43
